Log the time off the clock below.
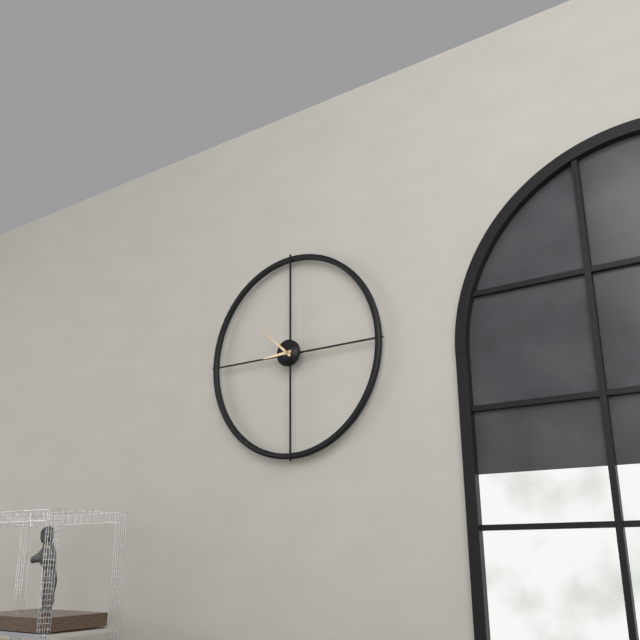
8:52
